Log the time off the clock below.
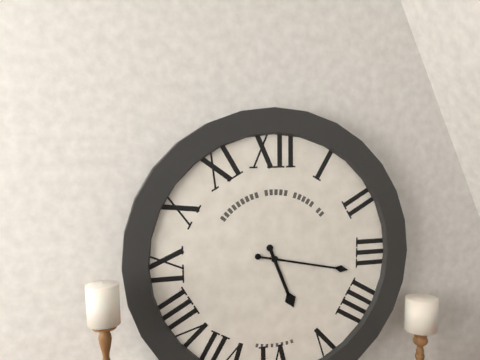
5:17
